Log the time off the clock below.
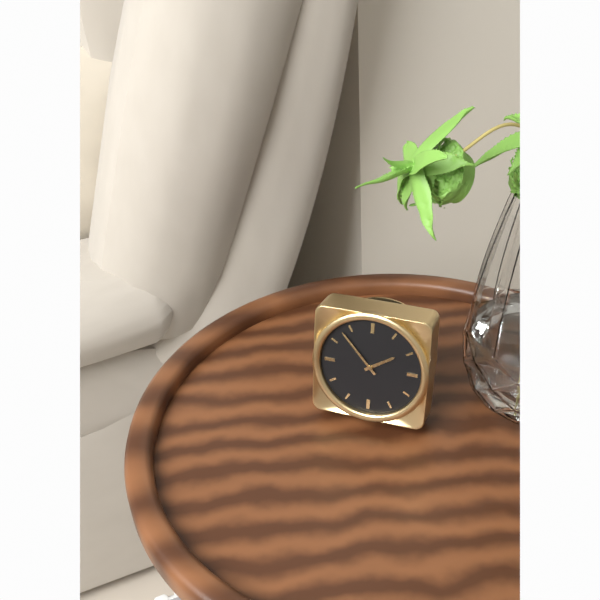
1:53
